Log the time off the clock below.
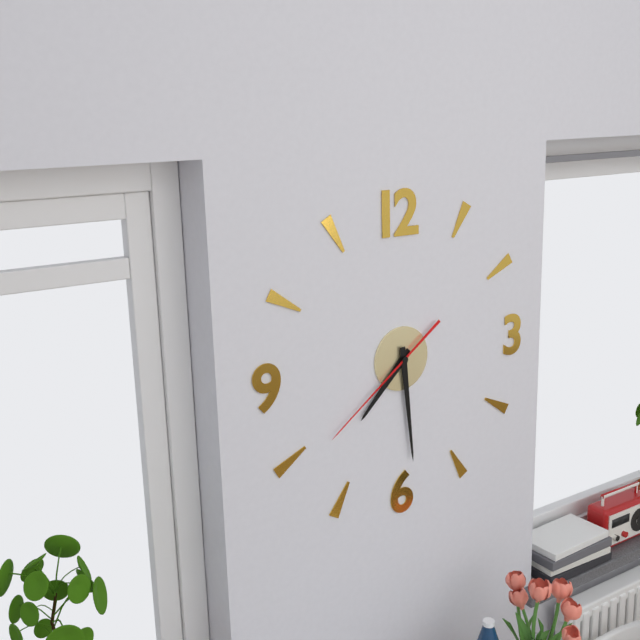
7:29:39
